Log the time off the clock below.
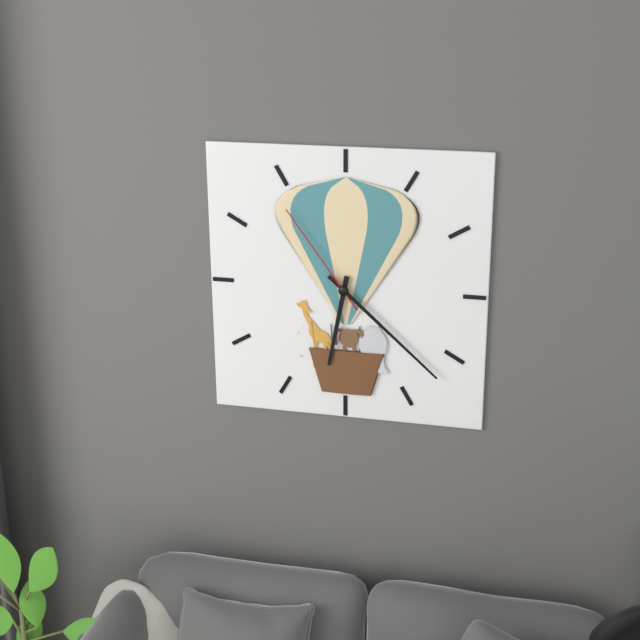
6:22:54
